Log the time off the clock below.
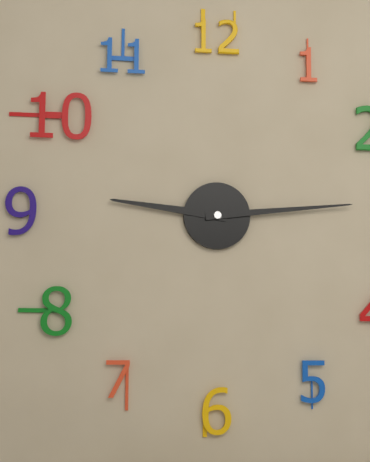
9:14
